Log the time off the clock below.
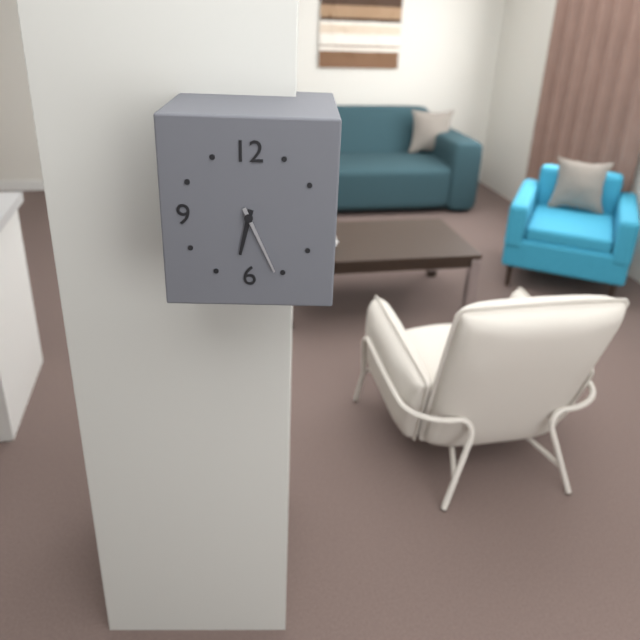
6:26
